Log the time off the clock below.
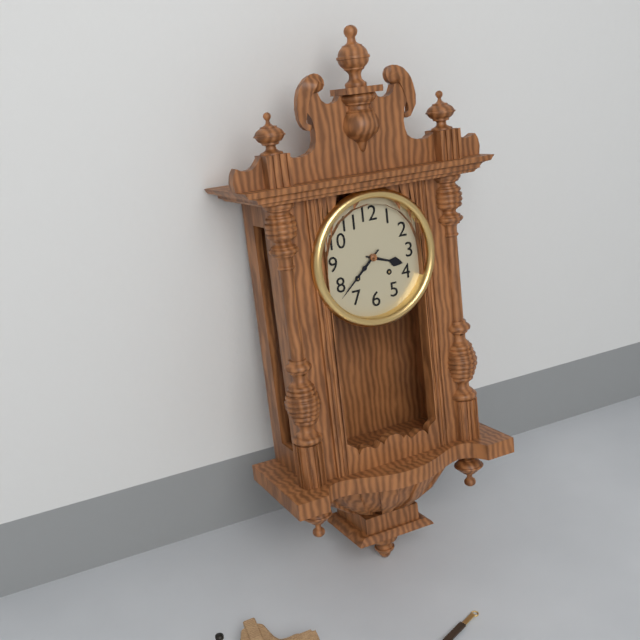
3:38
